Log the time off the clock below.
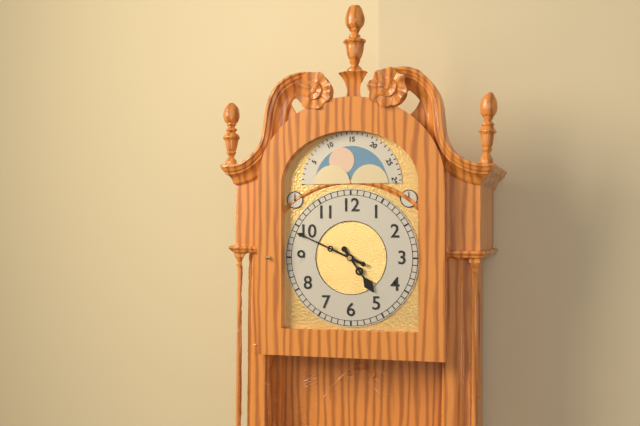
4:49
